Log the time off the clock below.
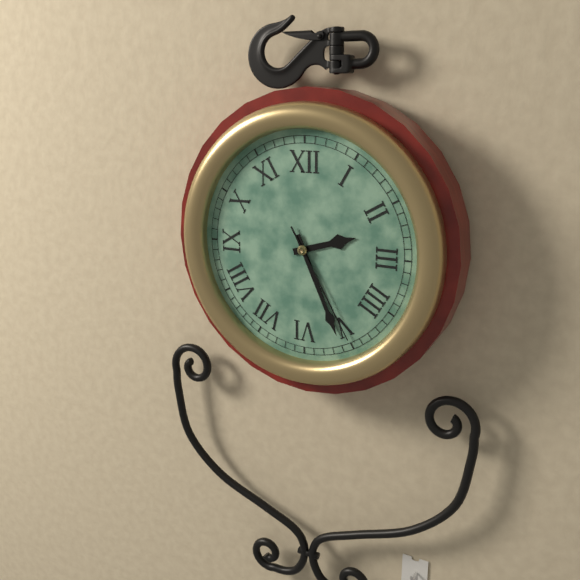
2:26:25
